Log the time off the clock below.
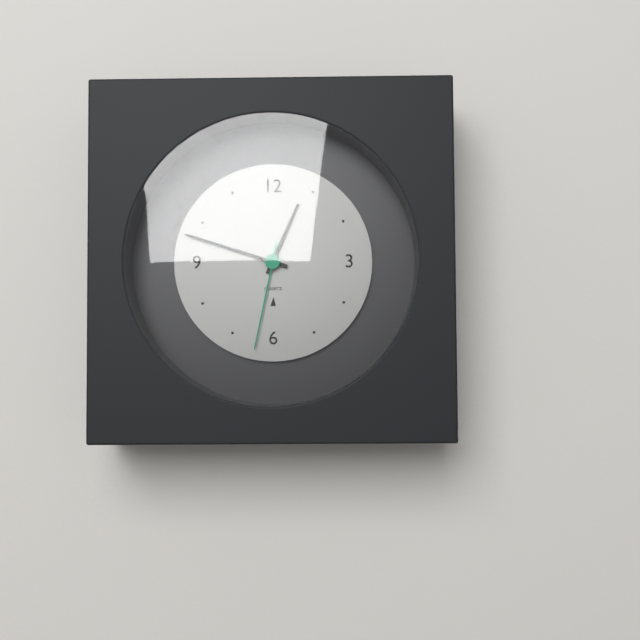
12:48:32
